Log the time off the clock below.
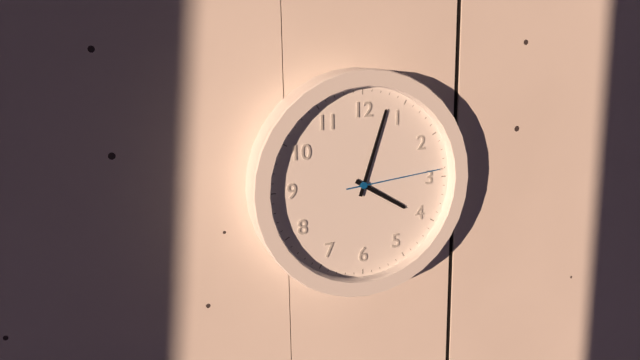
4:03:14
